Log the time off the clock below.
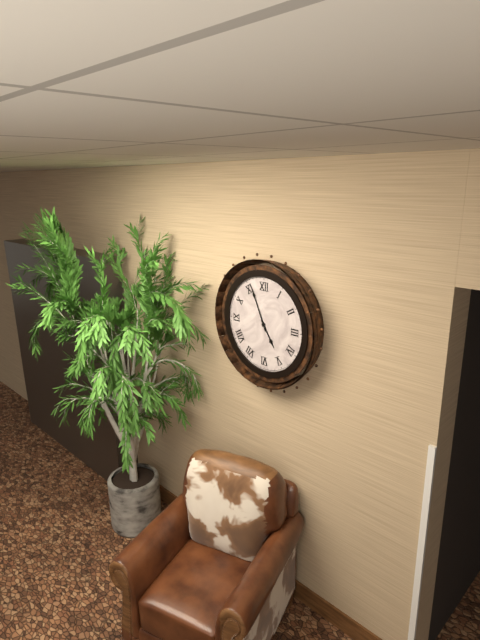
4:56
